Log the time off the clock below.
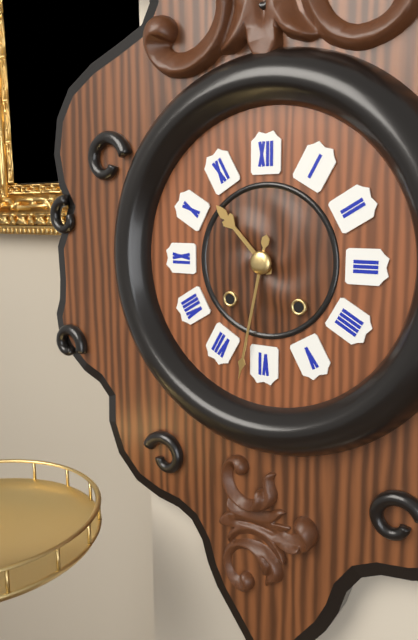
10:32
